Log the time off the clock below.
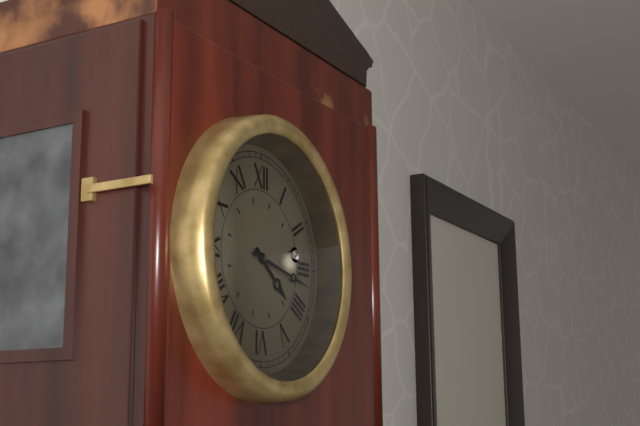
4:17
